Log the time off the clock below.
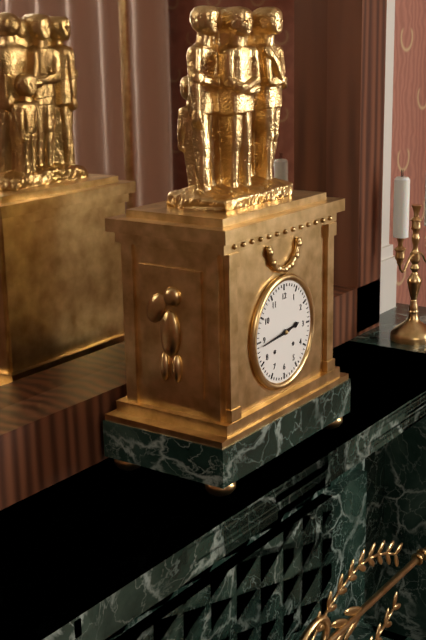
2:44
